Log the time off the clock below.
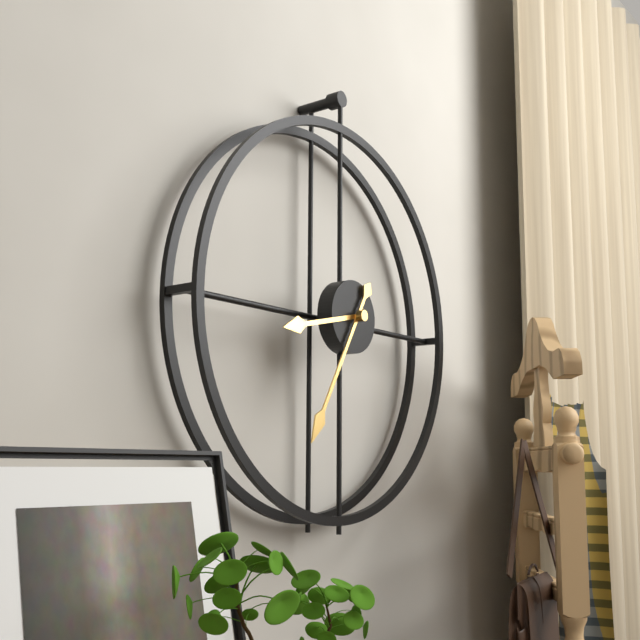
8:35
